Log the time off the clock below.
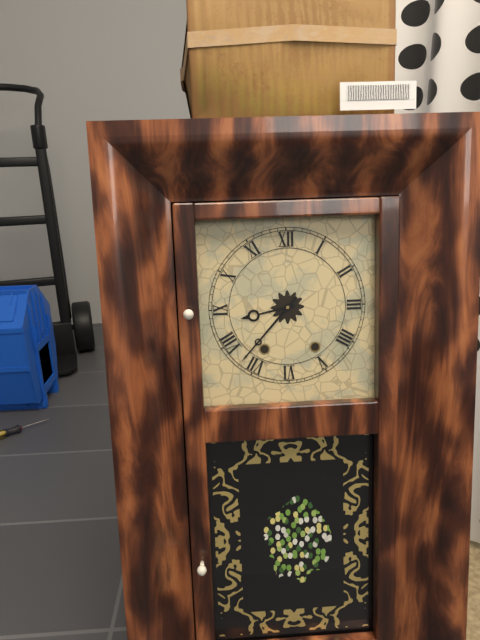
8:37
